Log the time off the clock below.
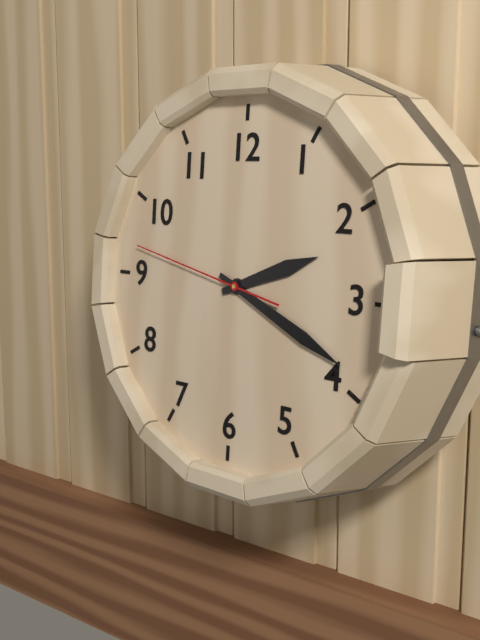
2:19:47
